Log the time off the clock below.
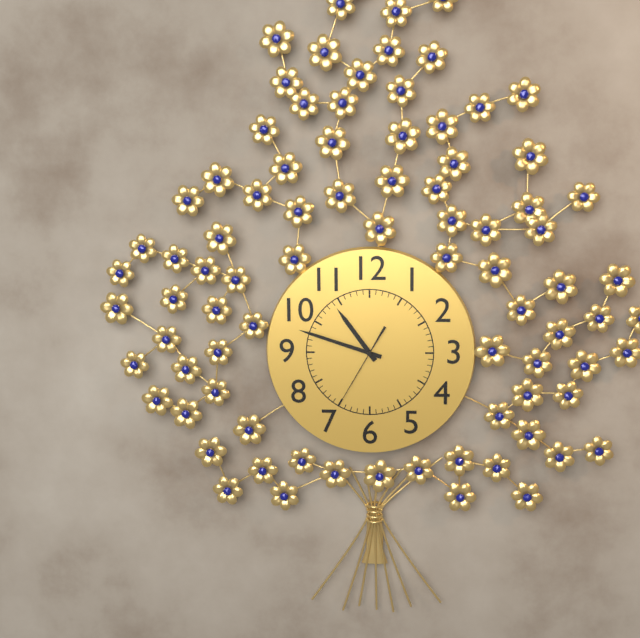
10:48:35
